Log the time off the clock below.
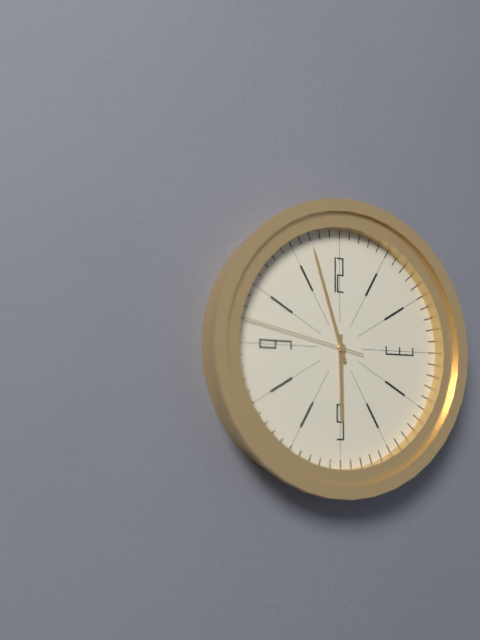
5:57:47
